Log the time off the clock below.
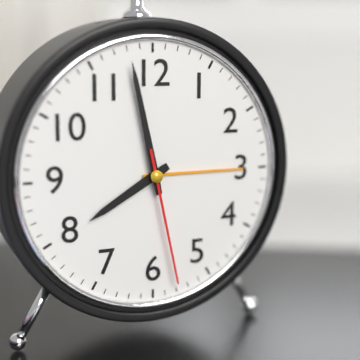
7:58:28
